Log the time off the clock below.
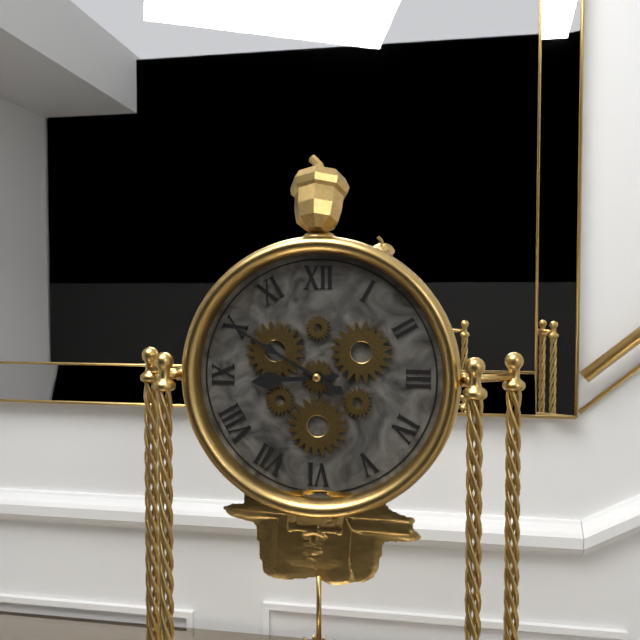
8:50
